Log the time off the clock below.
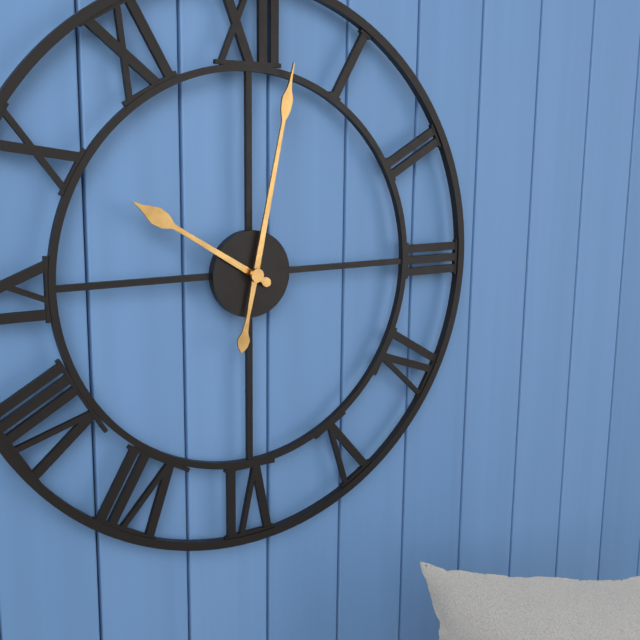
10:02
